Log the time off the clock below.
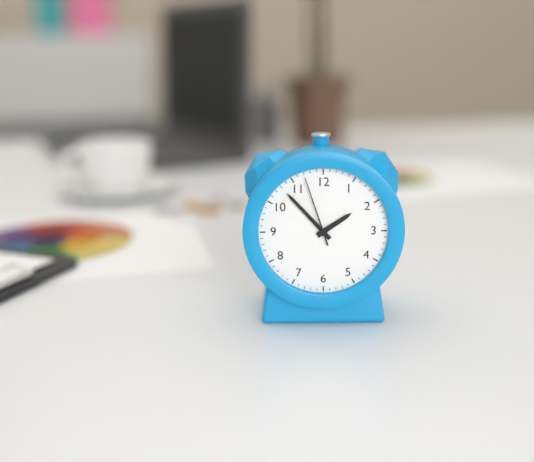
1:53:57
